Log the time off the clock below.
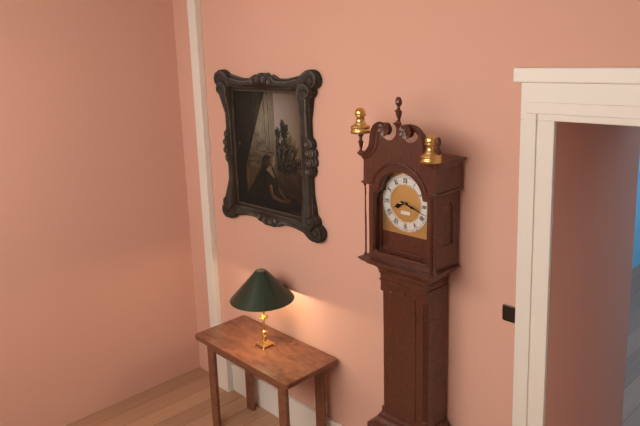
8:18
